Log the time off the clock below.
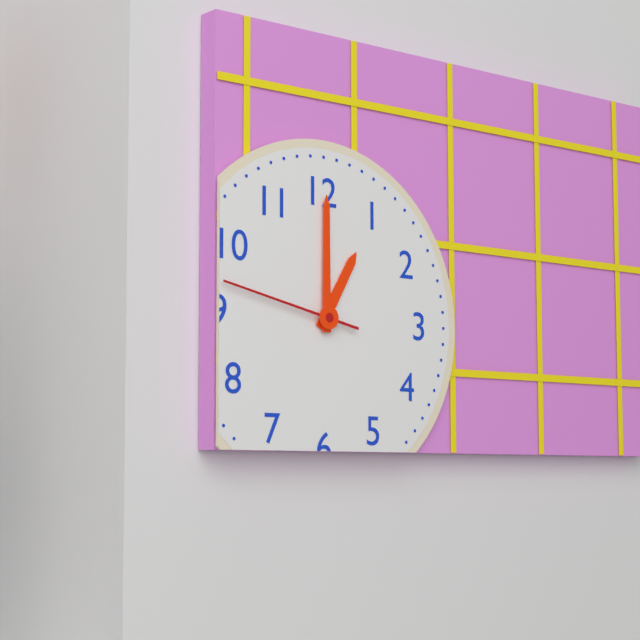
1:00:47
